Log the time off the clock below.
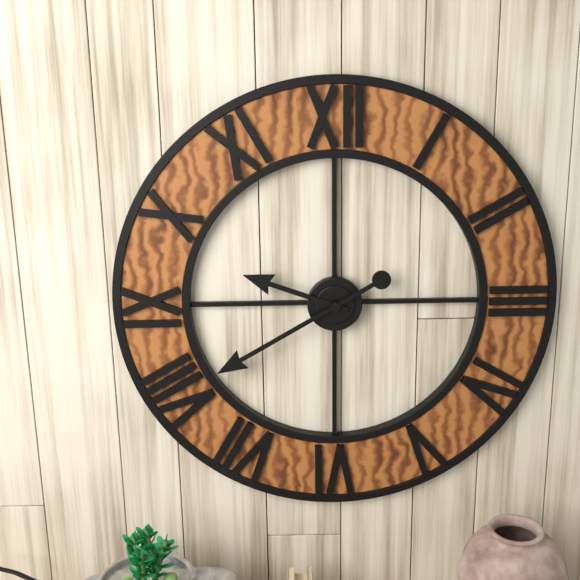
9:40
